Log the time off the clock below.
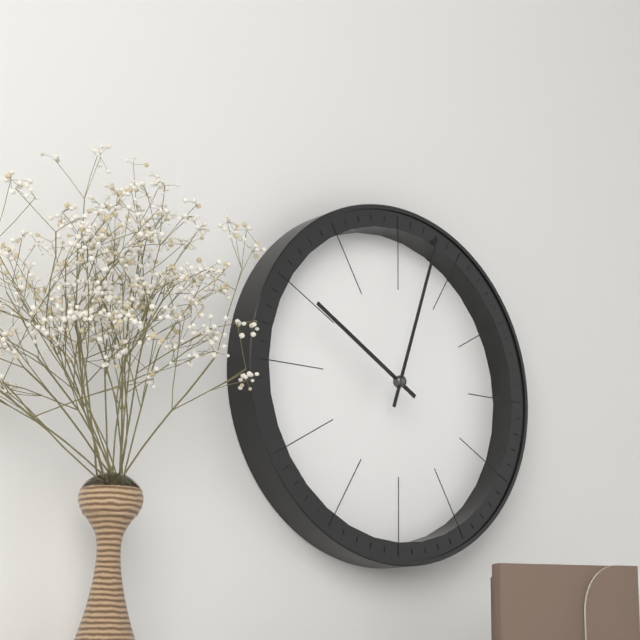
10:03
